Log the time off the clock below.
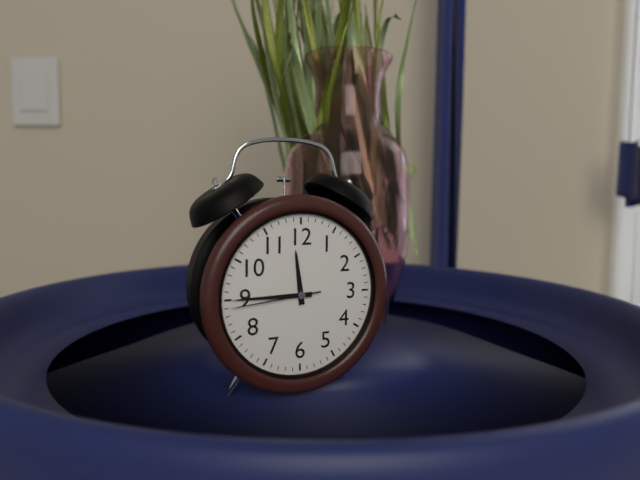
11:45:44
